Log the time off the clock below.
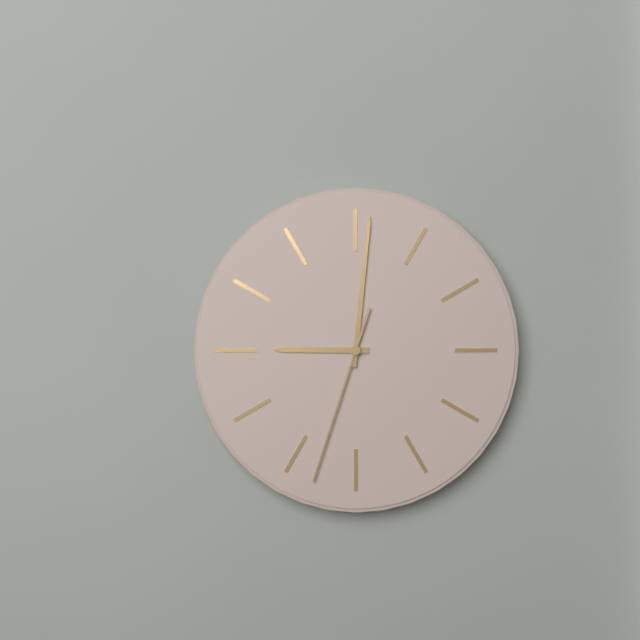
9:01:33
